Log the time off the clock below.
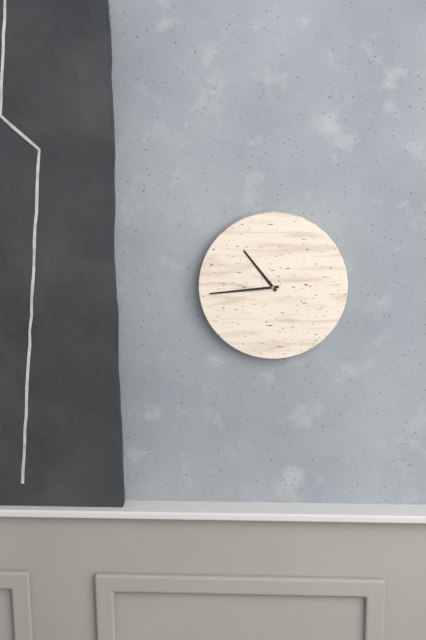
10:44
